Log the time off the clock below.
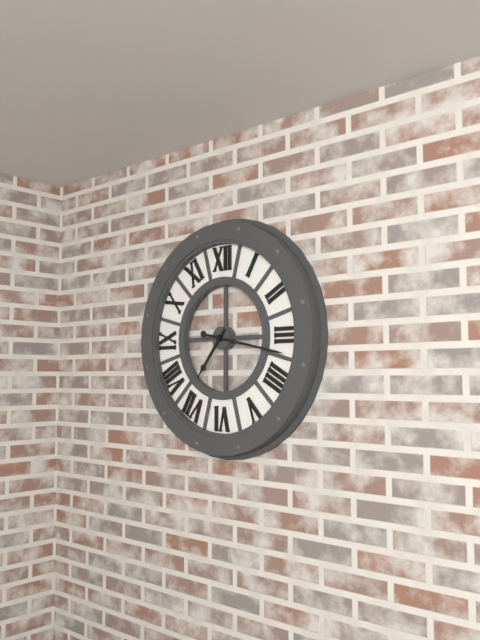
7:17
